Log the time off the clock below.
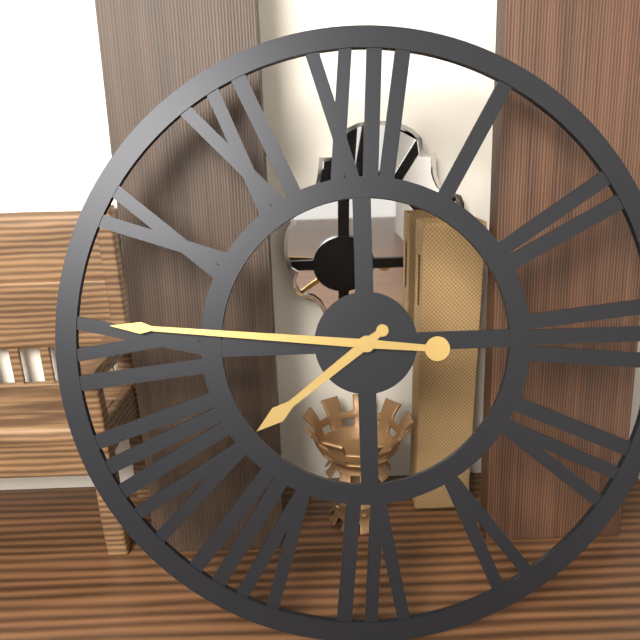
7:46
